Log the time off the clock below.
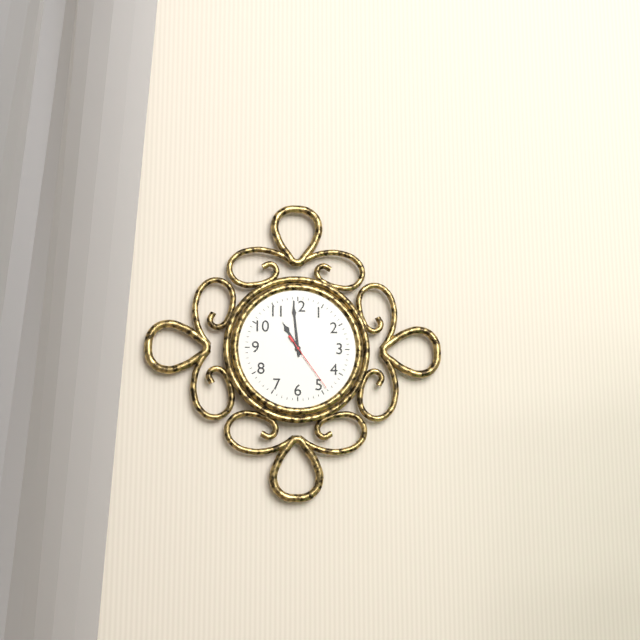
10:59:24
